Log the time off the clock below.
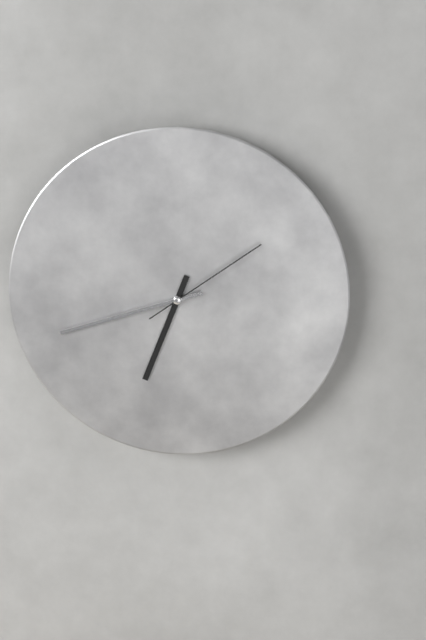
6:42:09
